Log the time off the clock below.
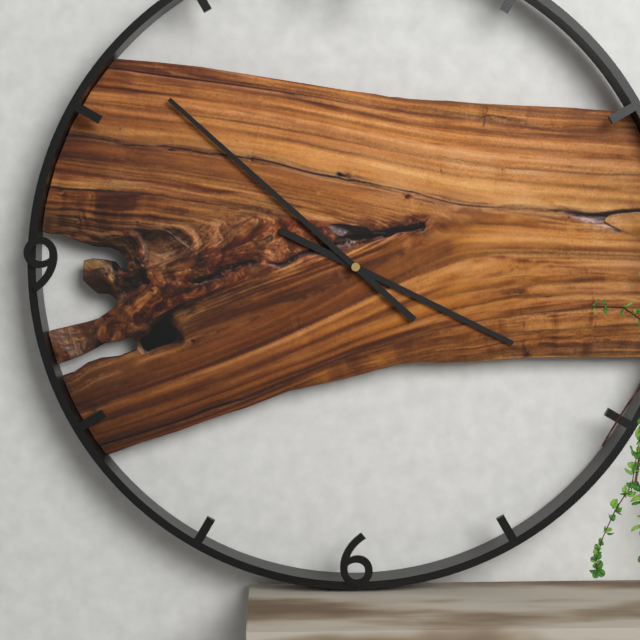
3:52
